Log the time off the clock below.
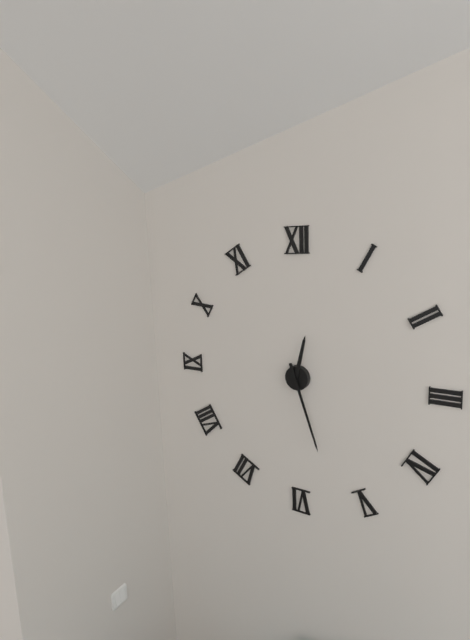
12:27
